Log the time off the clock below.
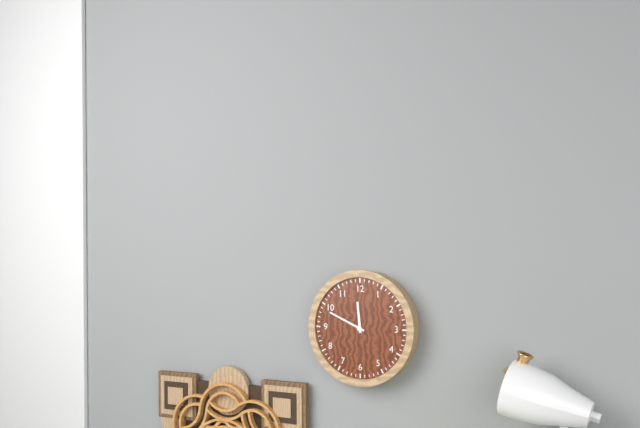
11:49
